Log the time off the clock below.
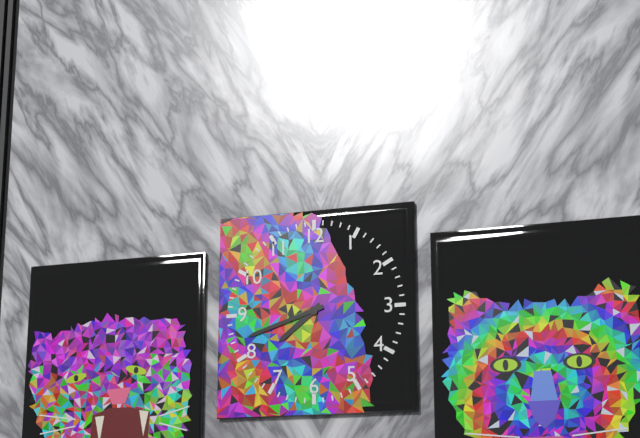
7:42
